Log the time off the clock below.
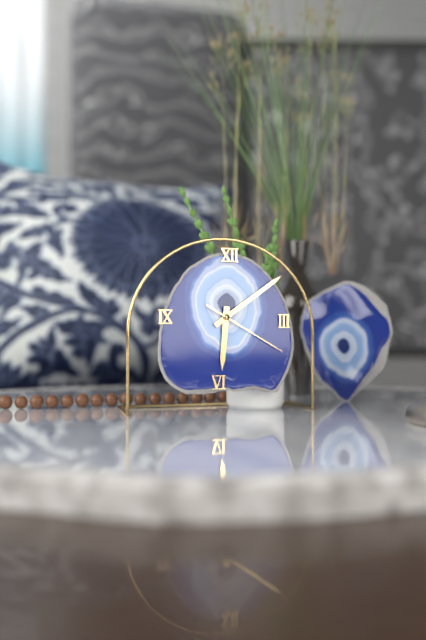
6:09:20
